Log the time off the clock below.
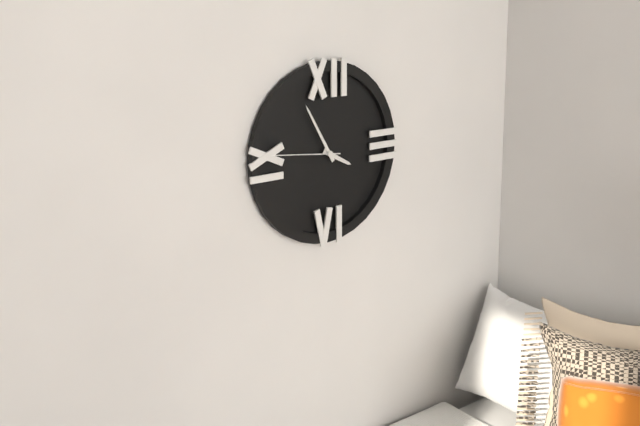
3:55:46
